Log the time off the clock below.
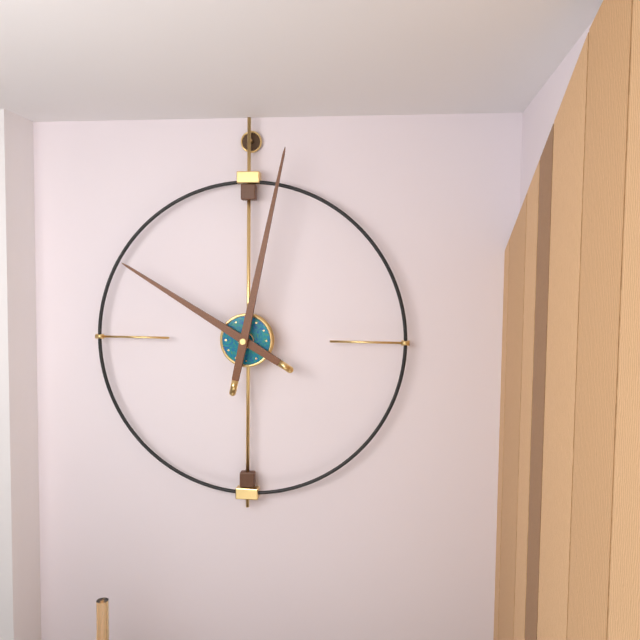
10:02
